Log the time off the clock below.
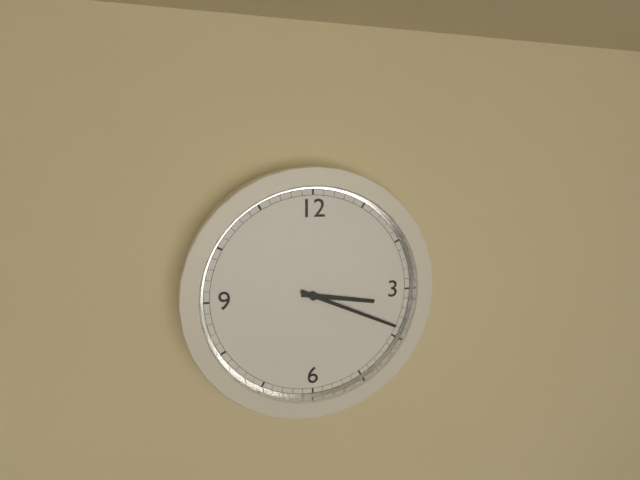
3:19
